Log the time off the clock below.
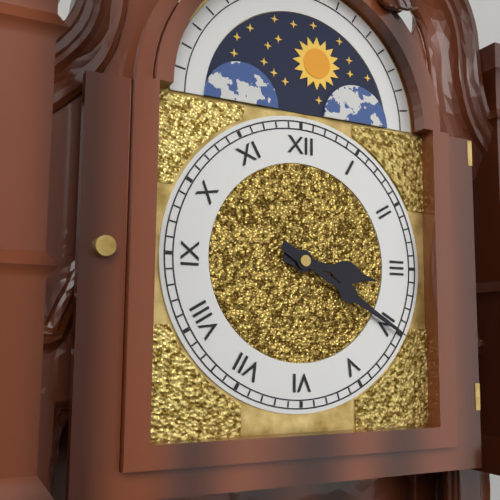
3:20
